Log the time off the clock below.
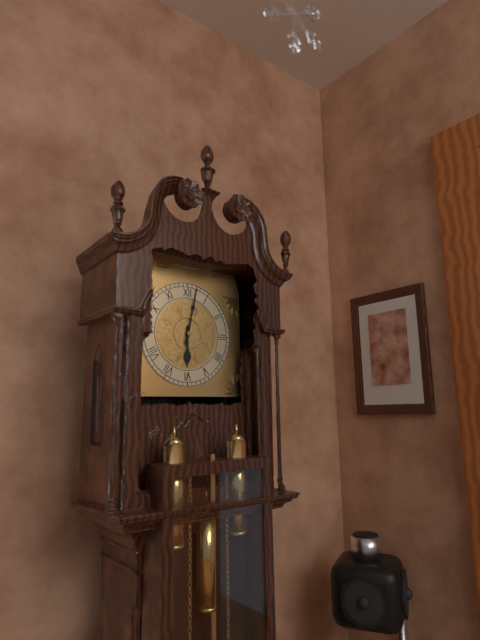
6:02
